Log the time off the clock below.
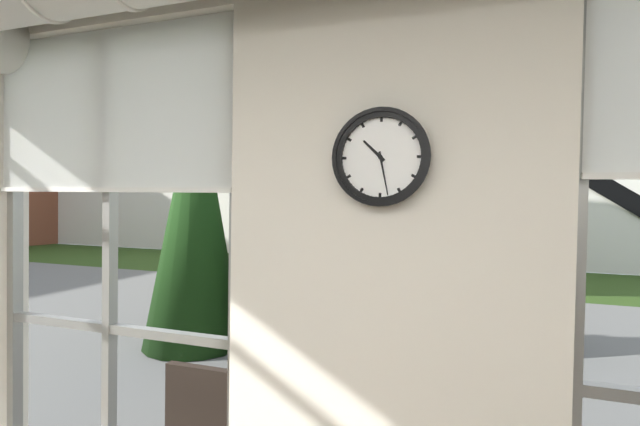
10:28
